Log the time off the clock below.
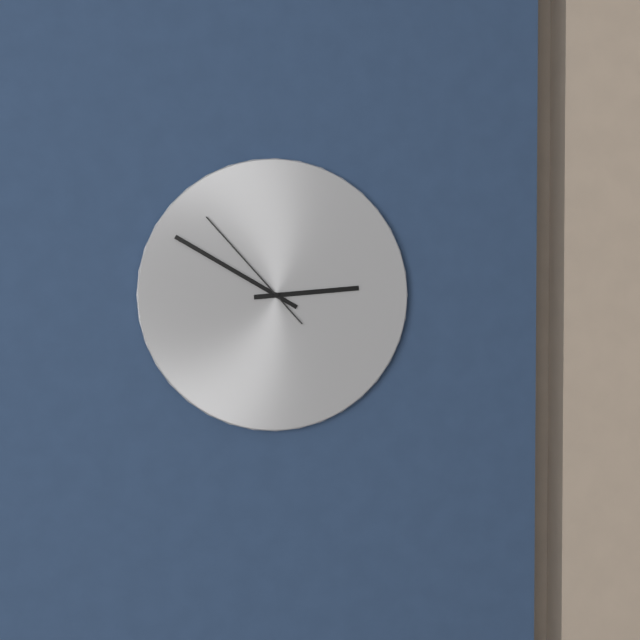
2:50:53
